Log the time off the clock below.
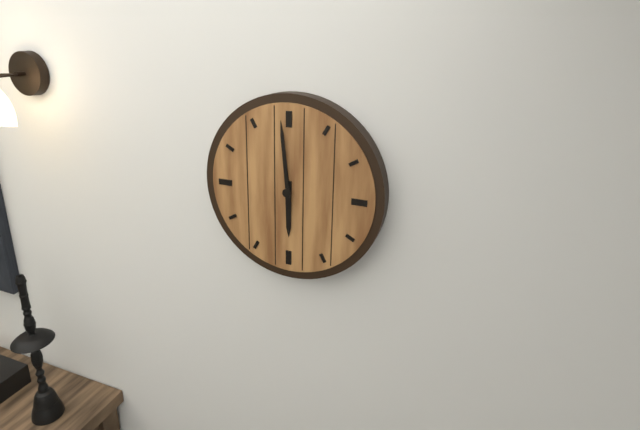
5:59
